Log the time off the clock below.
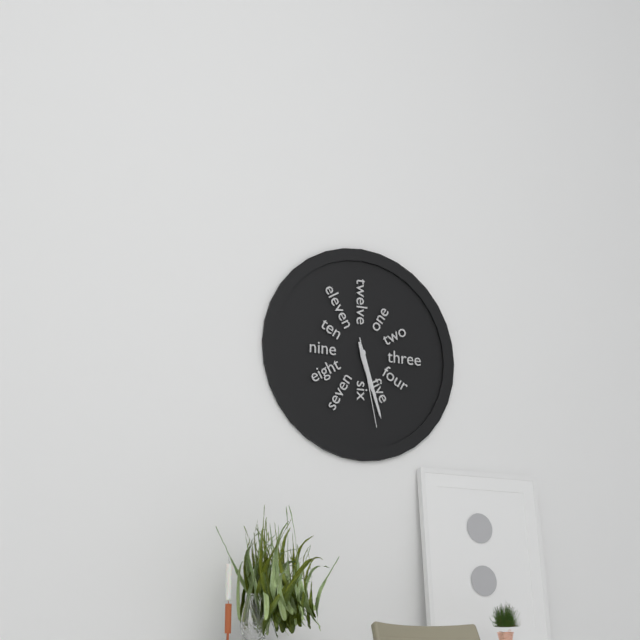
5:27:28
